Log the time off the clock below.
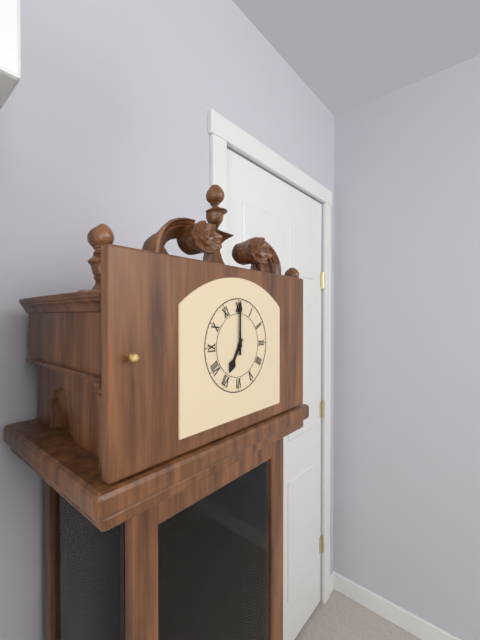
7:00
